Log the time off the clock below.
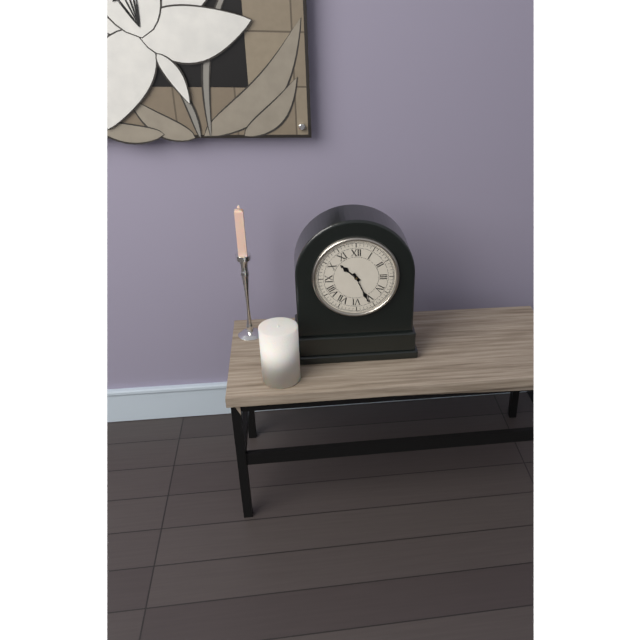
10:26
